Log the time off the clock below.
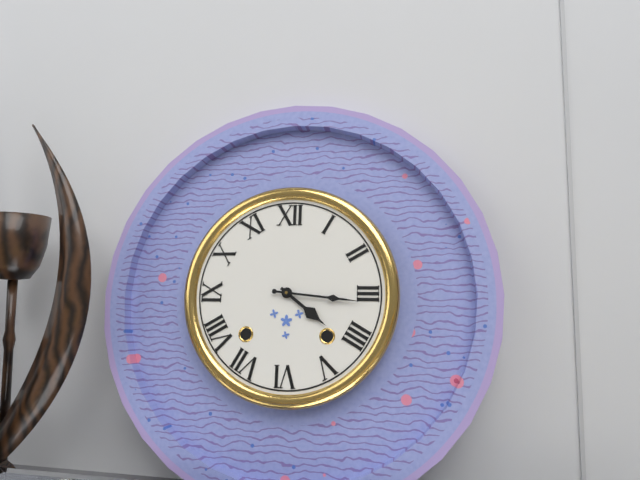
4:16
